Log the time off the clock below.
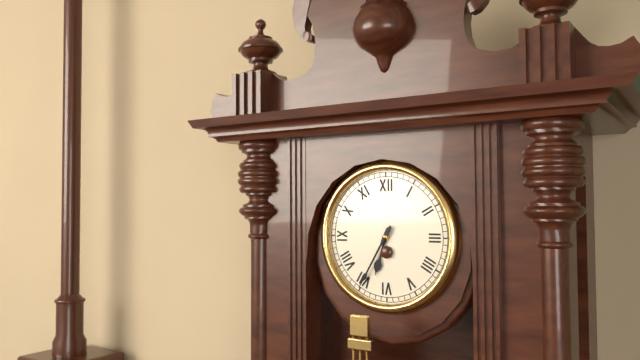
6:35
